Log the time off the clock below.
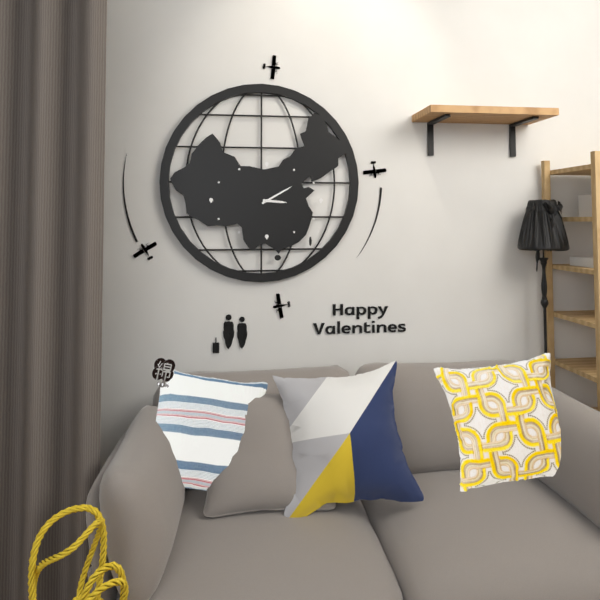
3:10
